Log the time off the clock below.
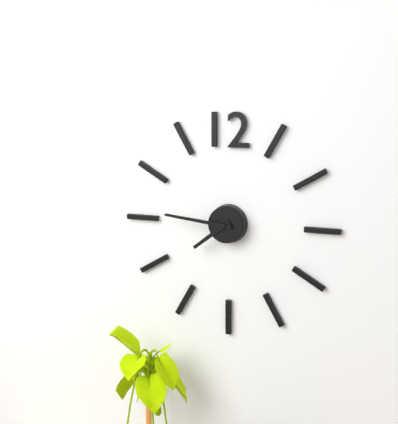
7:46
